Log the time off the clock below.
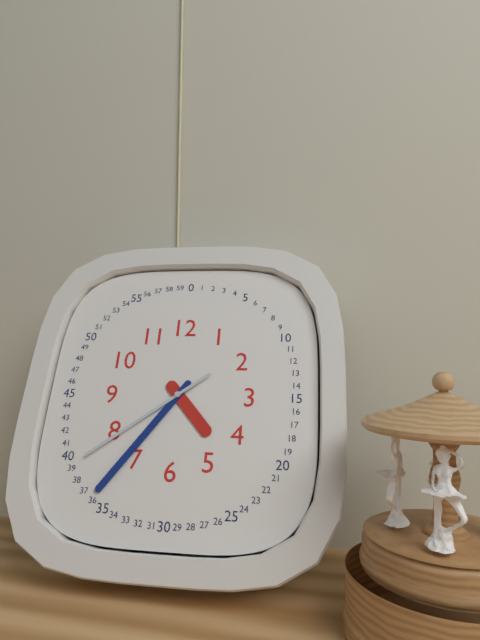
4:36:39
